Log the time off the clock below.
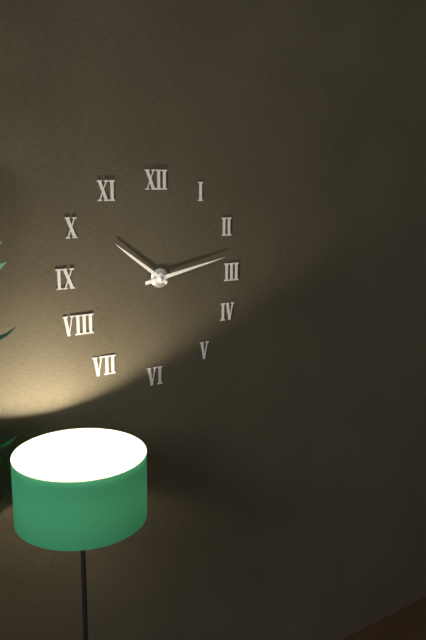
10:13
